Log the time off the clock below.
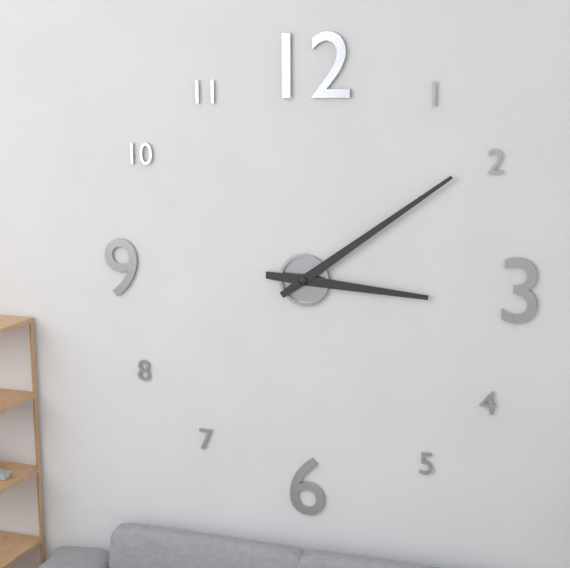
3:09
